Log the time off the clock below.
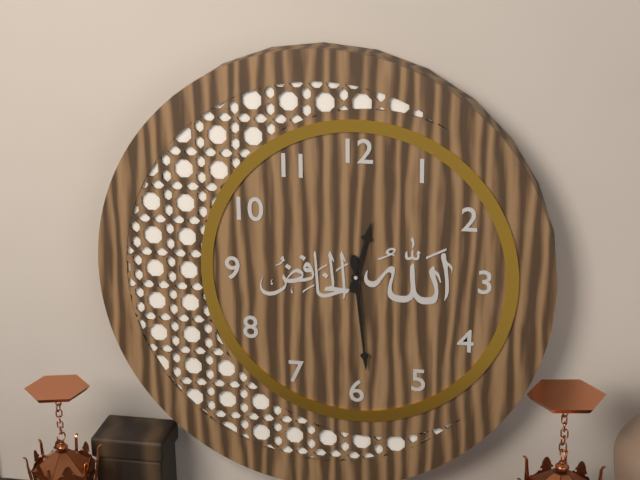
12:29
